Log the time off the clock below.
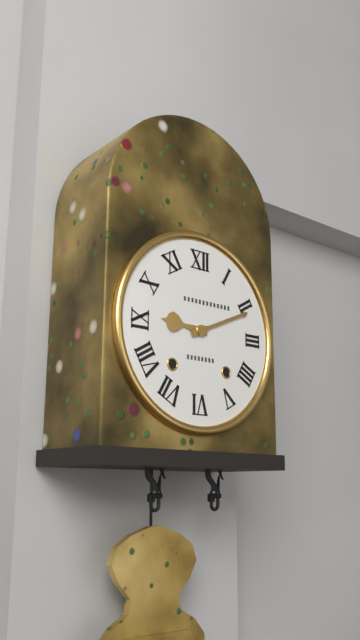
9:11
